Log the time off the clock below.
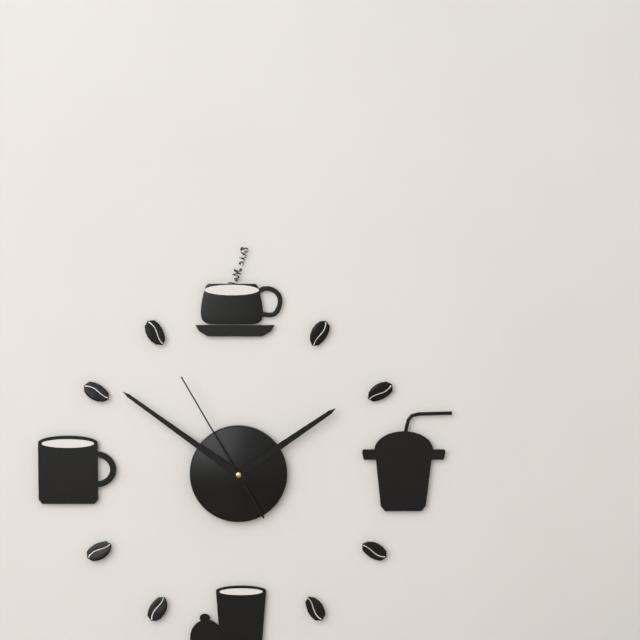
1:51:55
